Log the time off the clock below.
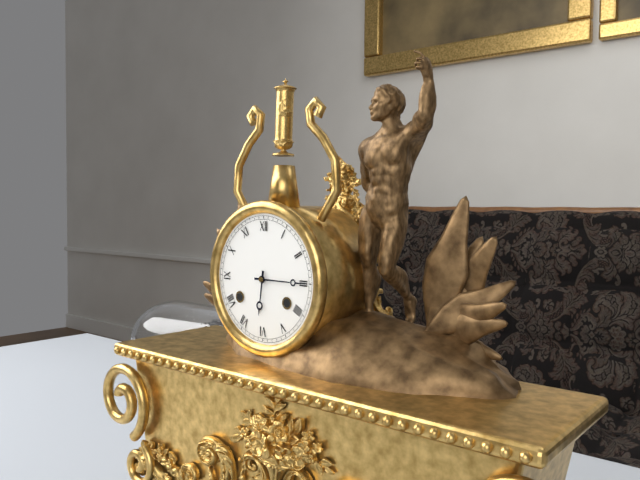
6:15
